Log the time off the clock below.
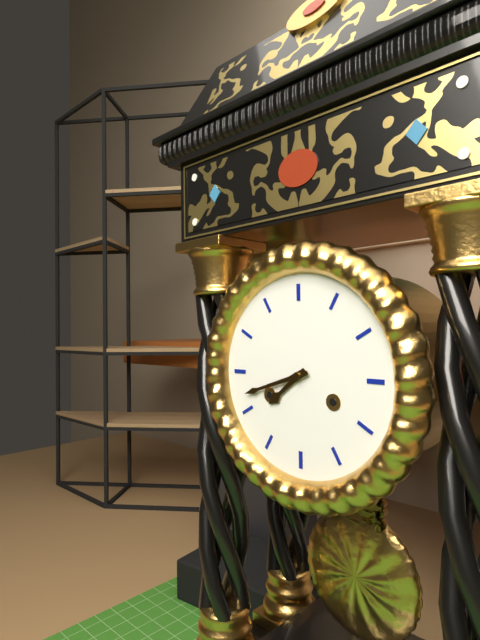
7:42
